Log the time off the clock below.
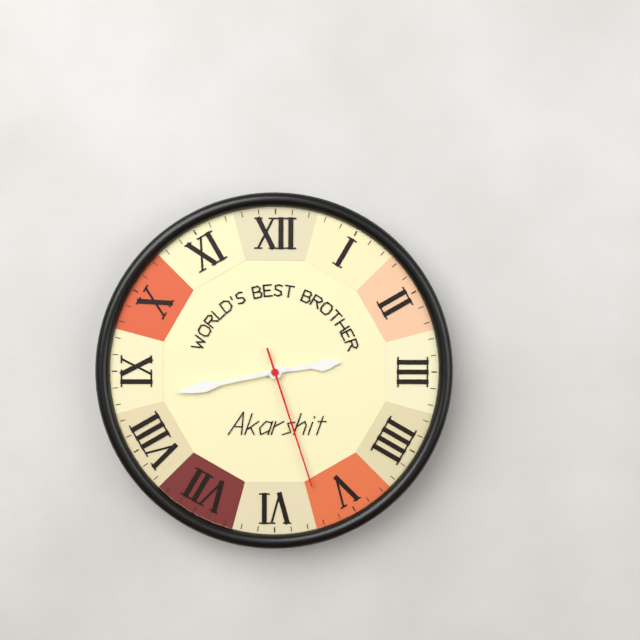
2:43:27
